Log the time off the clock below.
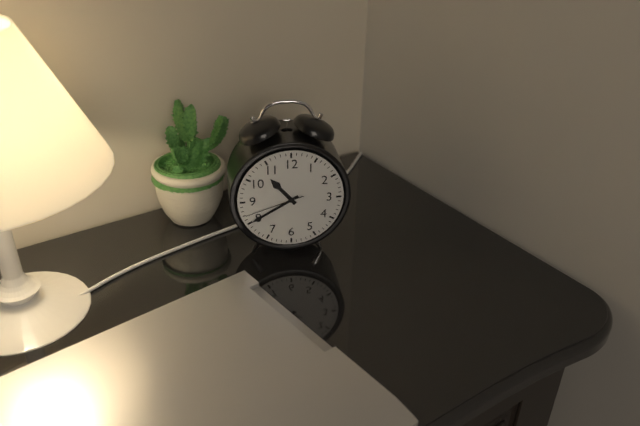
10:40:42
